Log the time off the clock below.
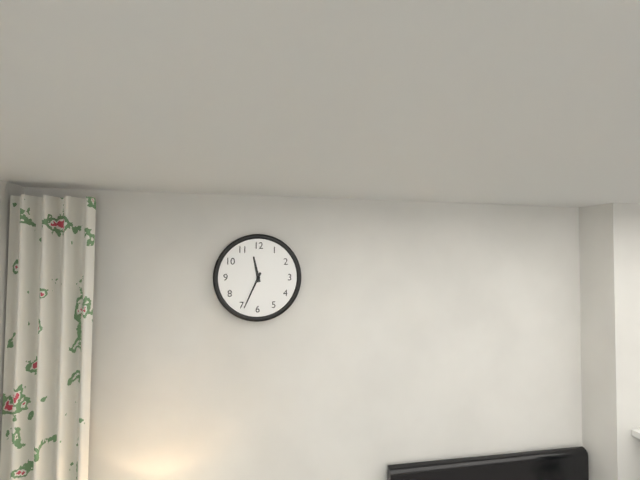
11:34
